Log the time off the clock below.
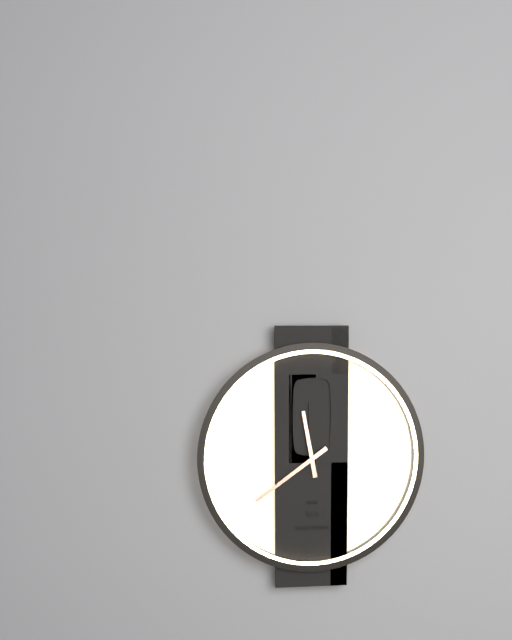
11:39
